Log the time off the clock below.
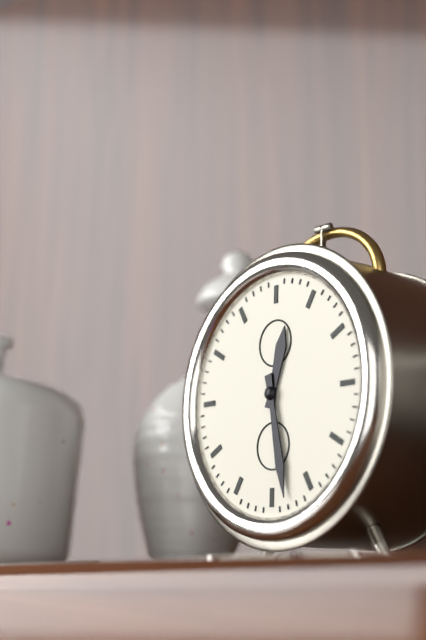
12:28
